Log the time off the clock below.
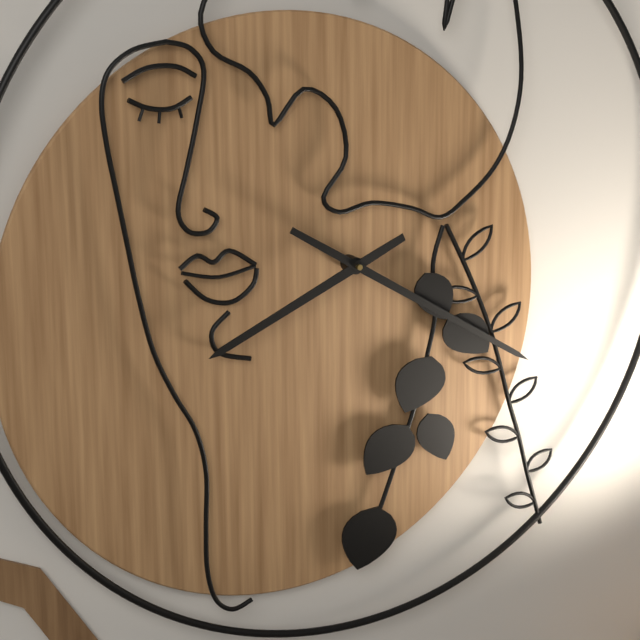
8:21
